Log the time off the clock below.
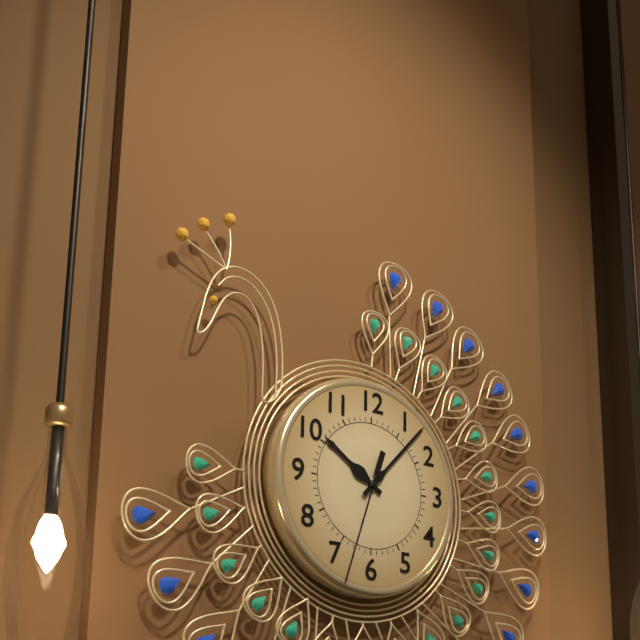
10:07:33
